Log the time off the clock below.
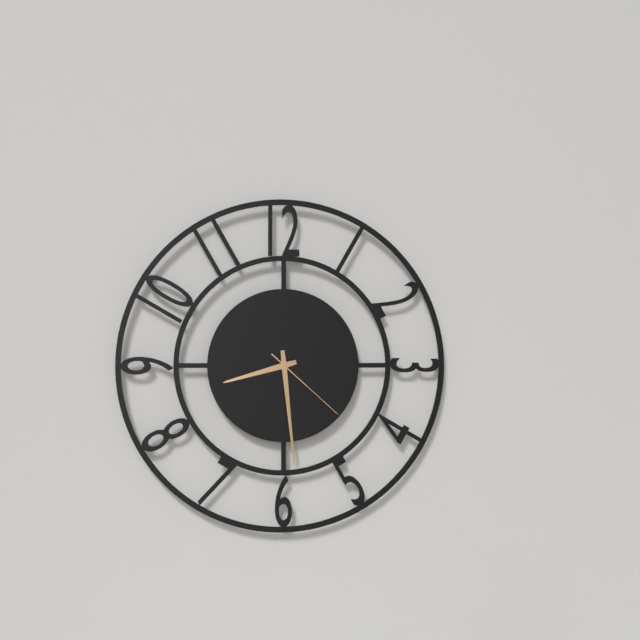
8:29:22
